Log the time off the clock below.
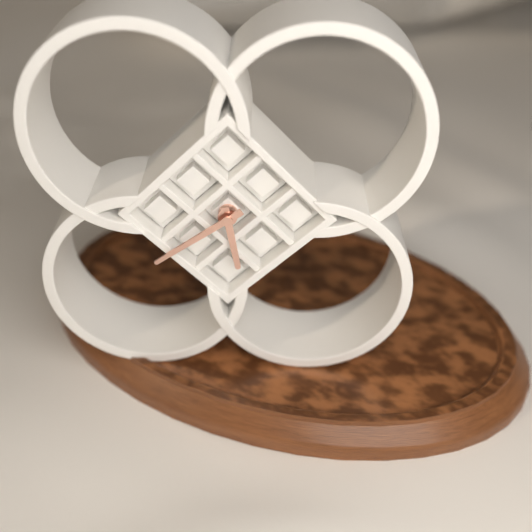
5:39
